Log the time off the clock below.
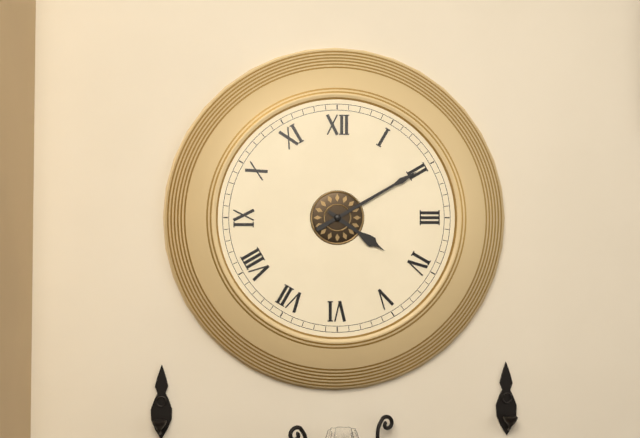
4:10
